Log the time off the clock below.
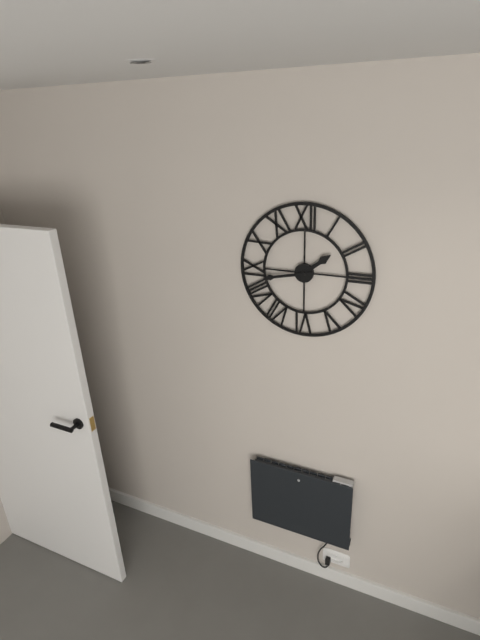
1:43
